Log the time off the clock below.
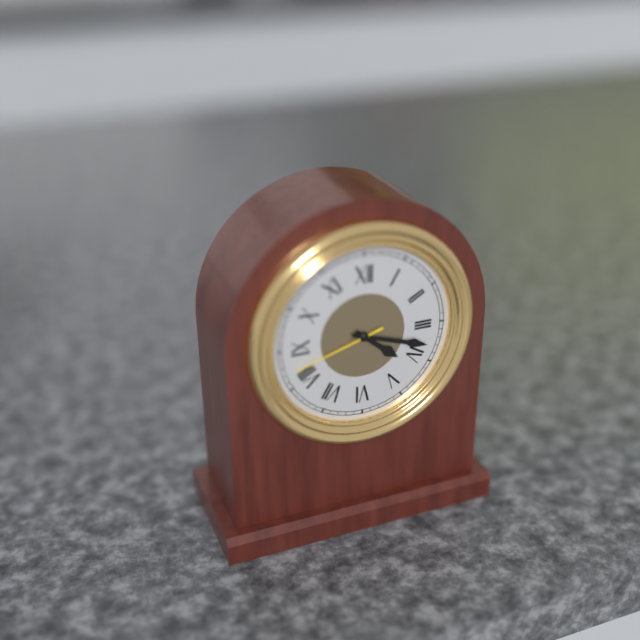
4:18:42
